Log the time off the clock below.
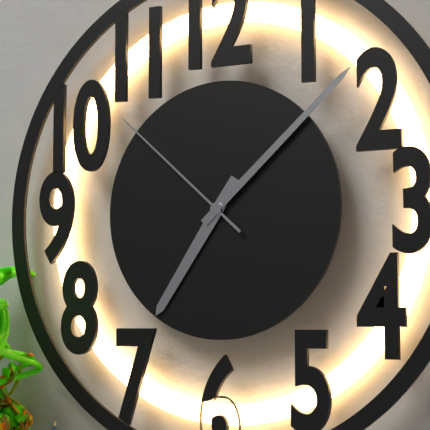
7:08:52
